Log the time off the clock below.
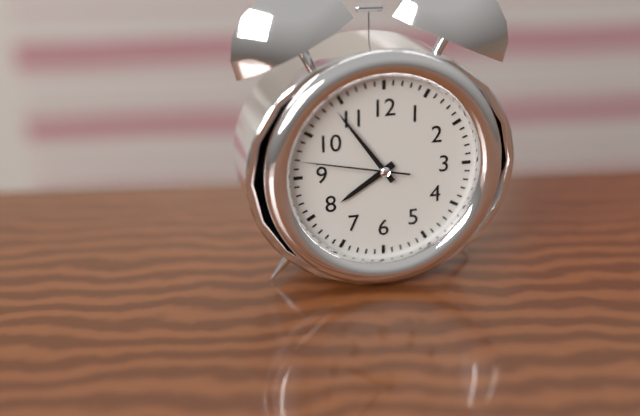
7:54:47
